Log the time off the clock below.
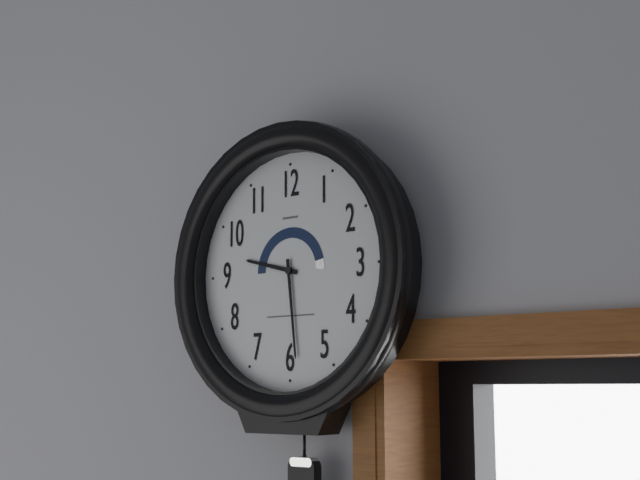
9:29
